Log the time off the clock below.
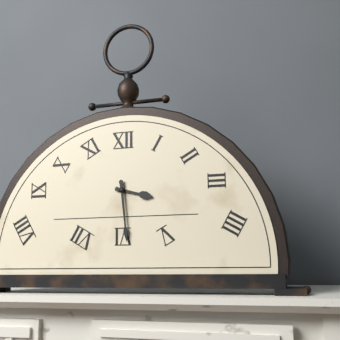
3:29
